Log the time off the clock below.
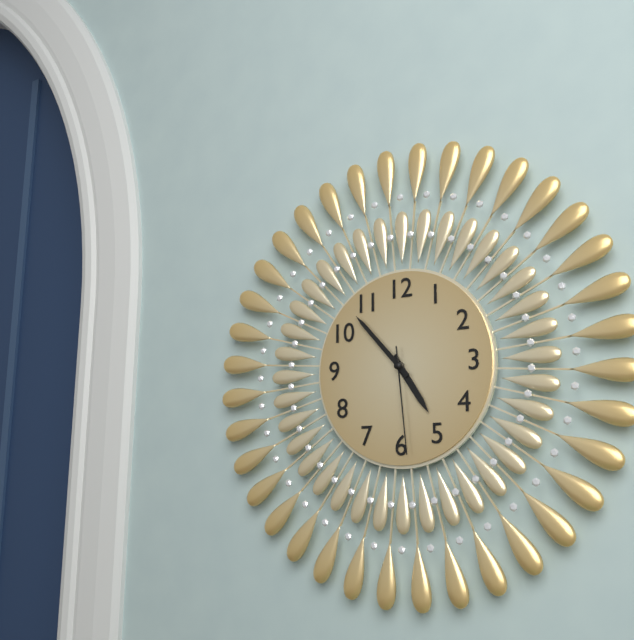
4:53:29
